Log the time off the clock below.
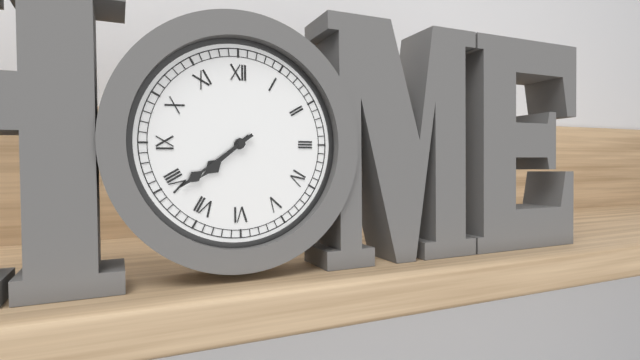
7:39
